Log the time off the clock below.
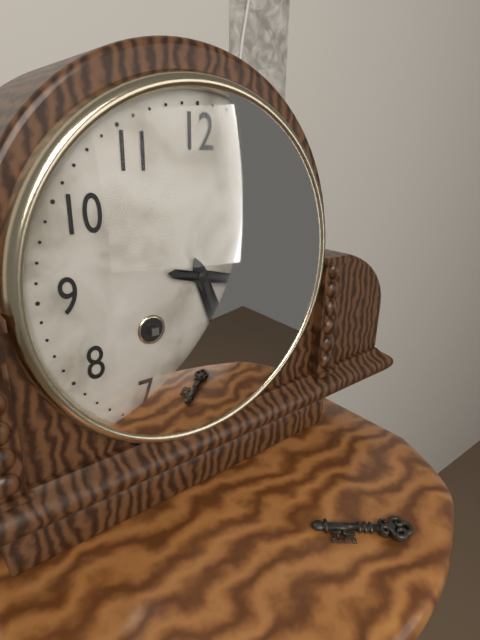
5:17
